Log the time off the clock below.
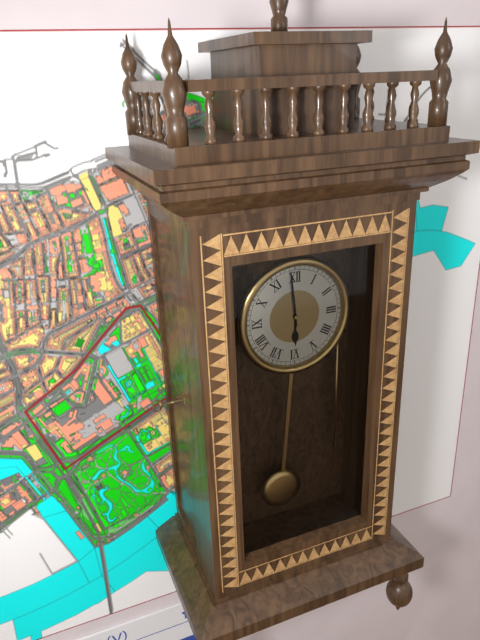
5:59
